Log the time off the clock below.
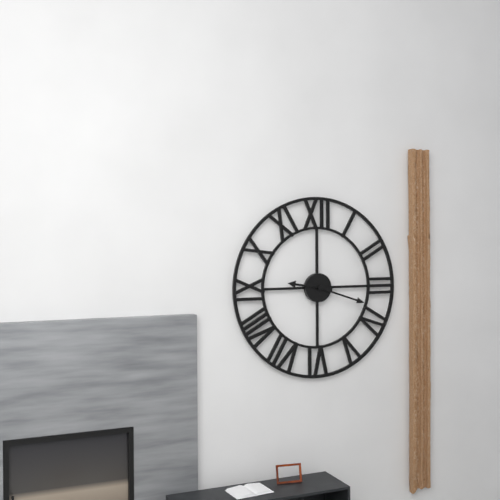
9:18
